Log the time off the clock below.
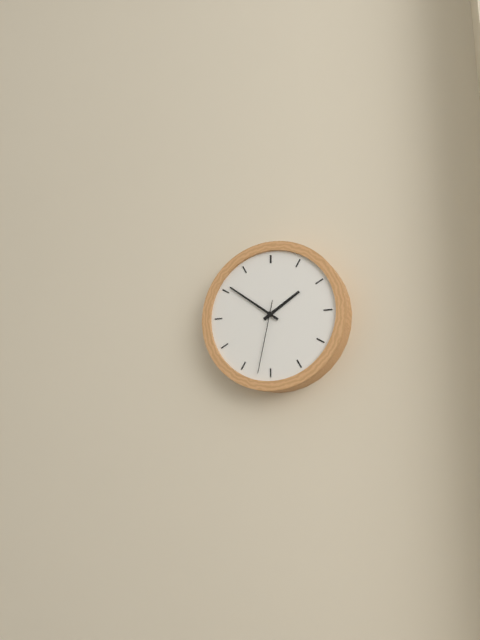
1:51:32
